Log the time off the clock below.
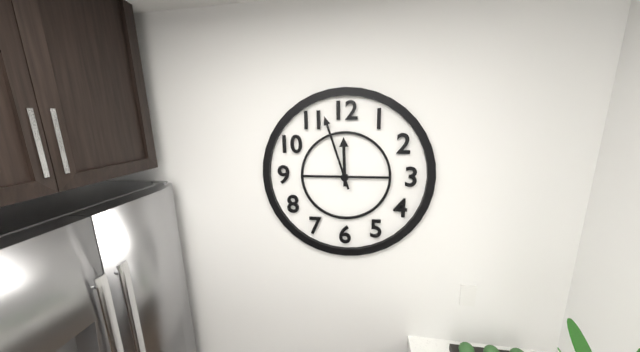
11:57
